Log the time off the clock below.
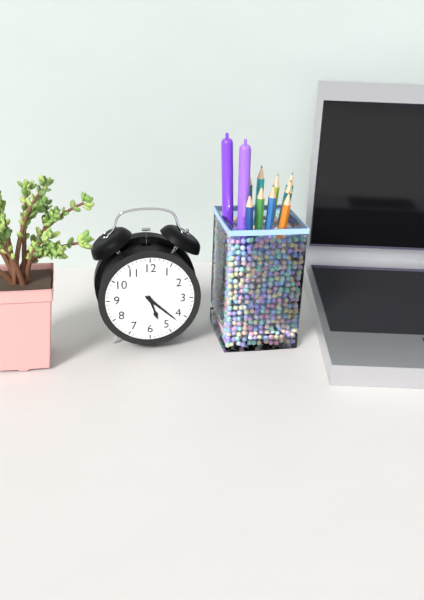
5:22
